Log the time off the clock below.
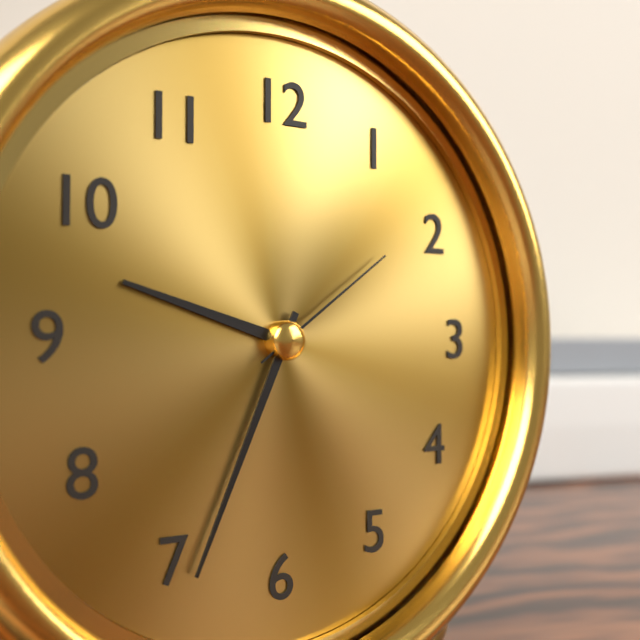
9:34:09
